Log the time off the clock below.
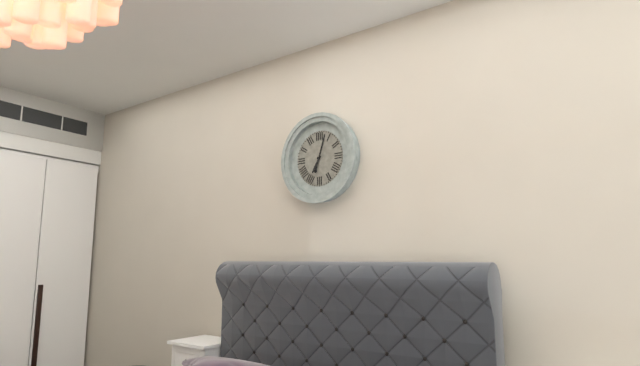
7:03
